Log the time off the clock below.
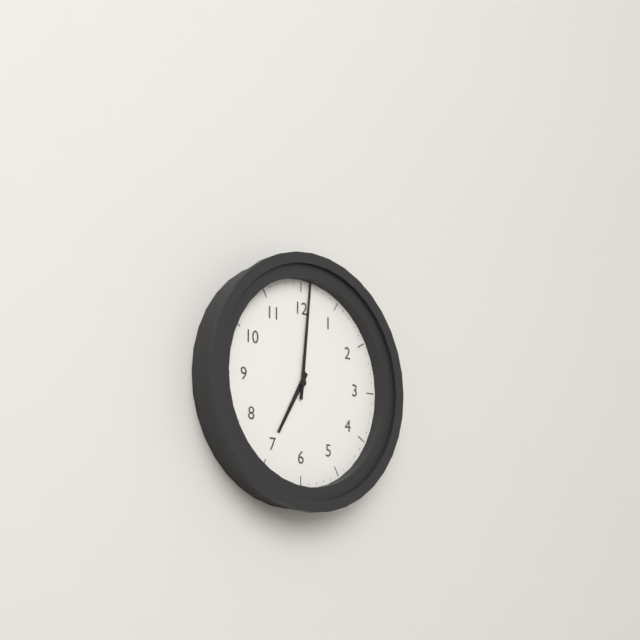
7:01
